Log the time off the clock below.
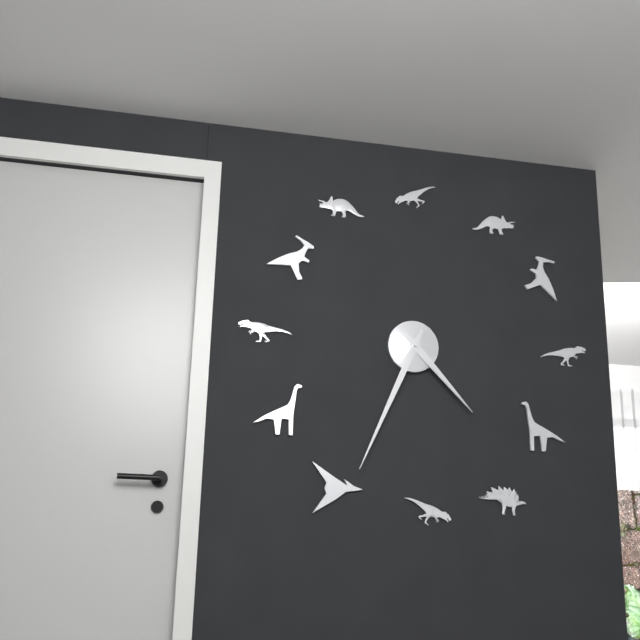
4:34
